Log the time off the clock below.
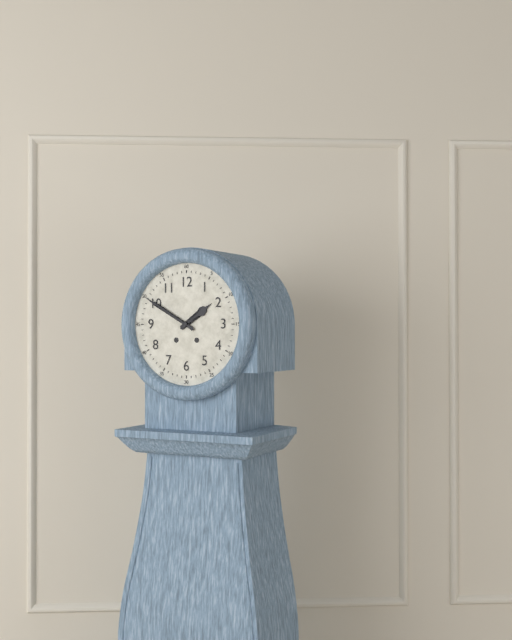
1:50
